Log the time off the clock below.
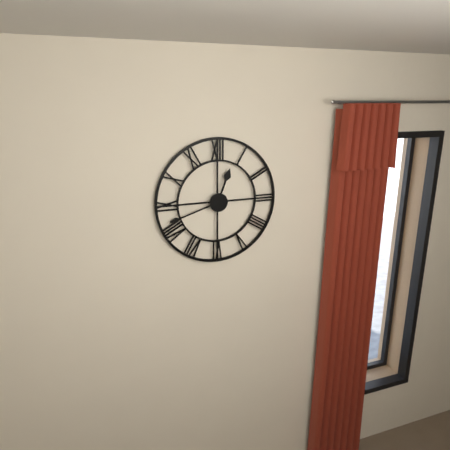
12:42
